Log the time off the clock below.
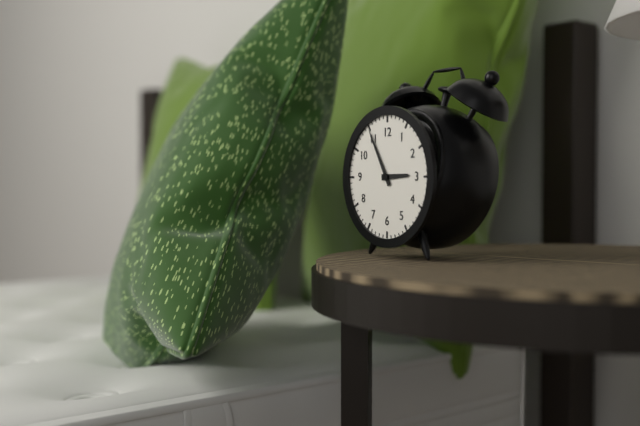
2:55
